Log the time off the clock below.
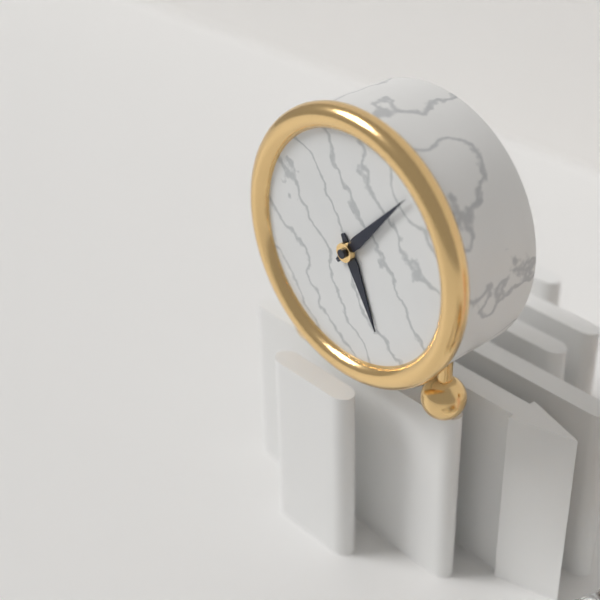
5:07
